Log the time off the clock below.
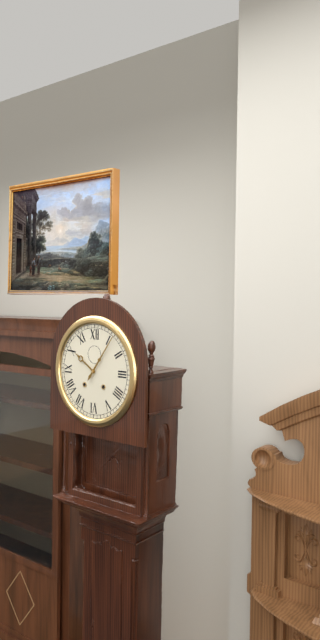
10:06
